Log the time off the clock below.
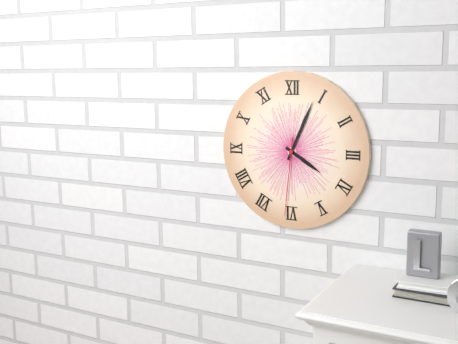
4:04:31
